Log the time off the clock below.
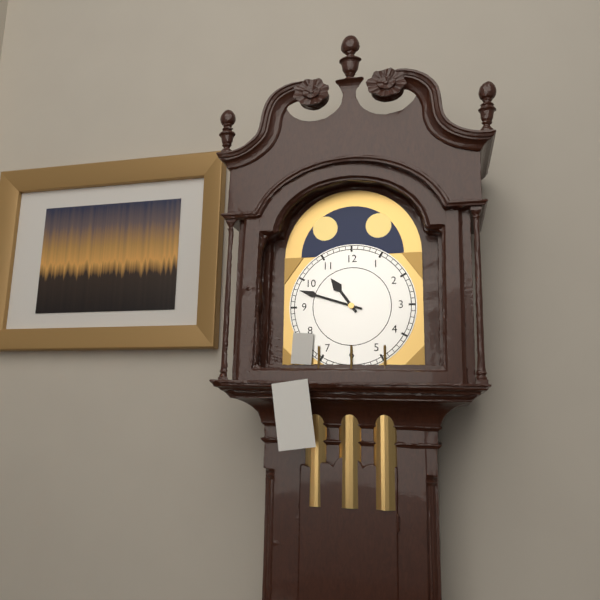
10:48
